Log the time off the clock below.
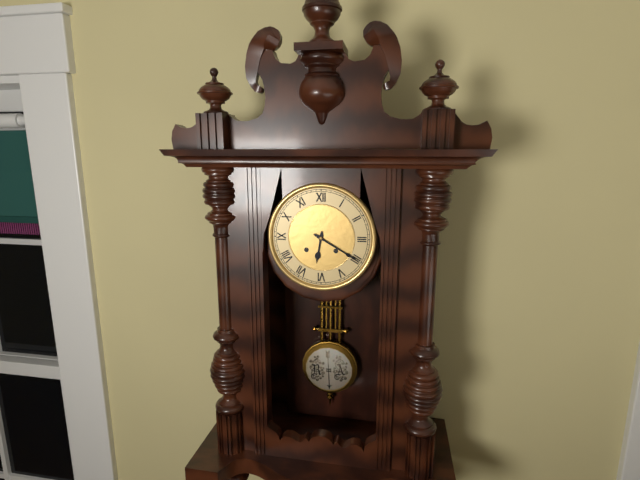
6:20
